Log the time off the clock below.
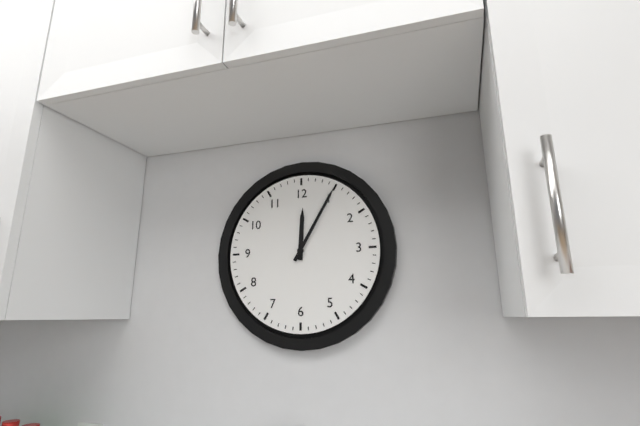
12:05
